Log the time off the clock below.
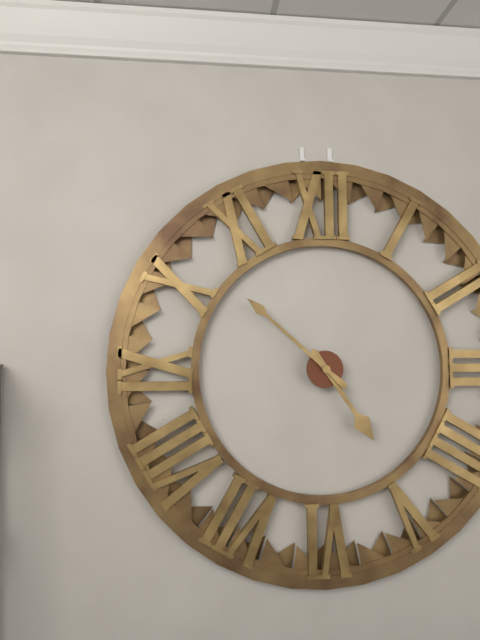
4:52
